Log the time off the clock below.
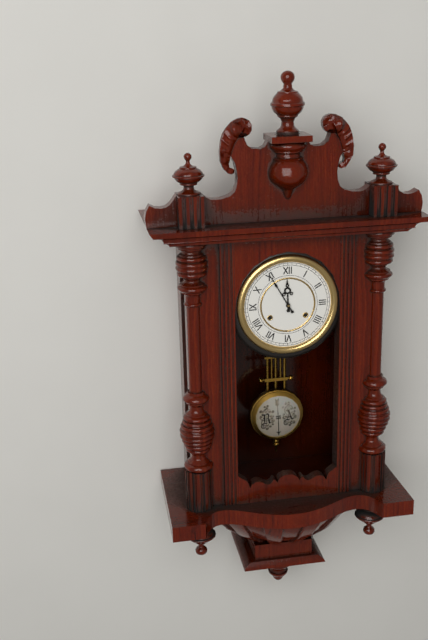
11:55
